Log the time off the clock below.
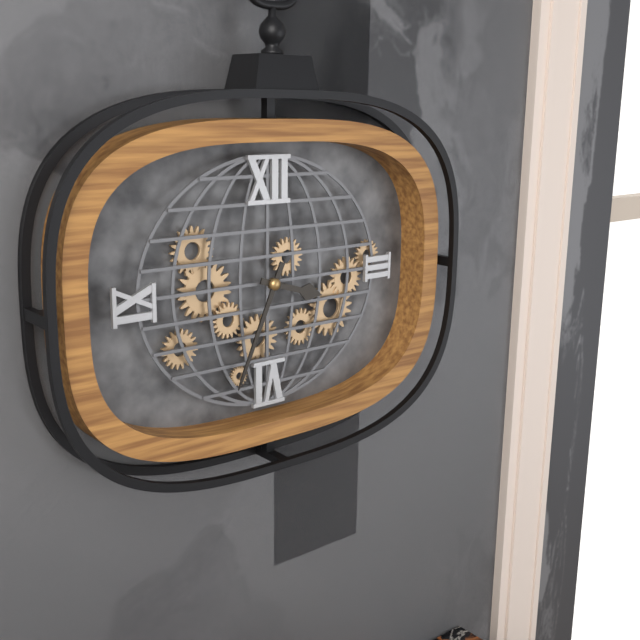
3:34
